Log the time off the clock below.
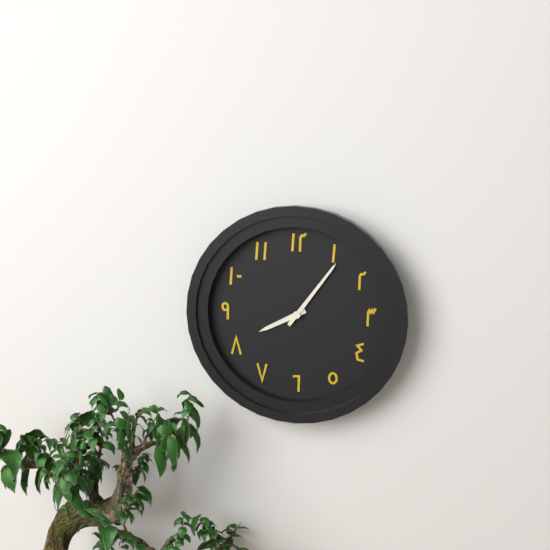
8:06
